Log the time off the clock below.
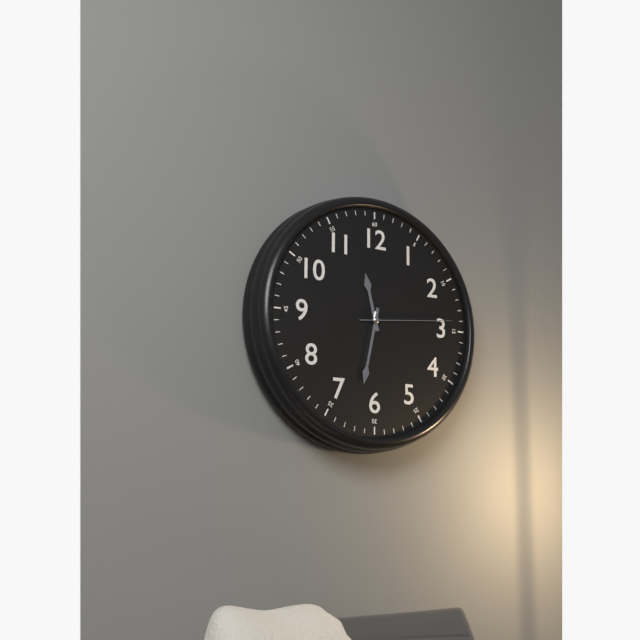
11:32:14
